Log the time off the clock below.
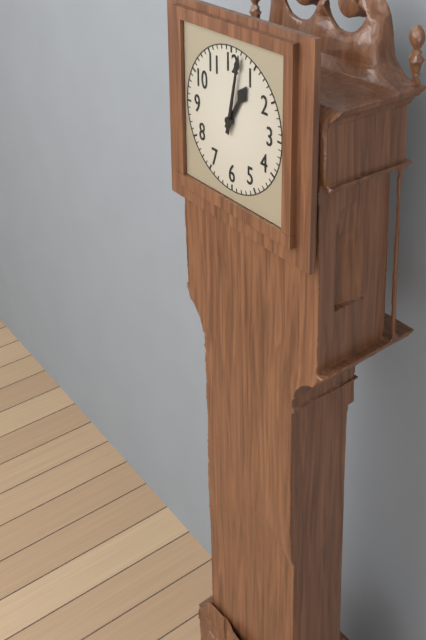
1:02
